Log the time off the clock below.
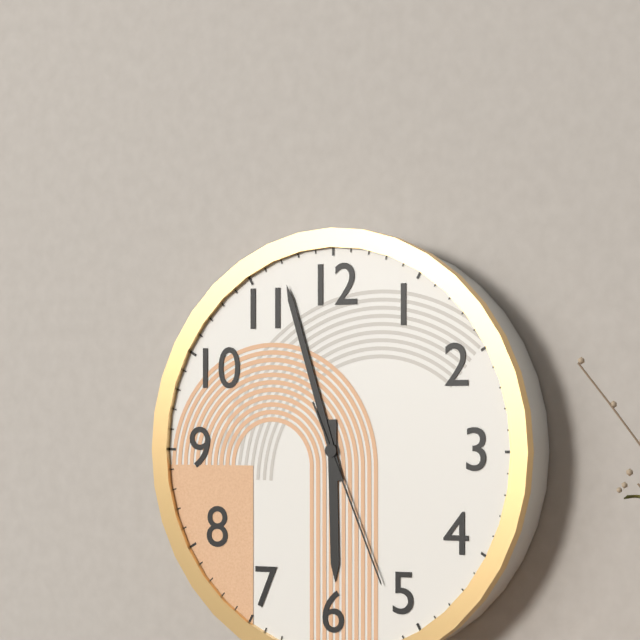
5:57:26
